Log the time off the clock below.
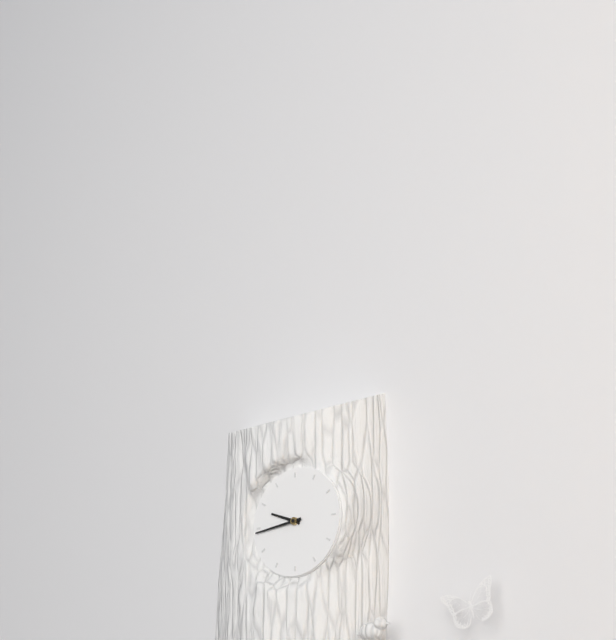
9:44
